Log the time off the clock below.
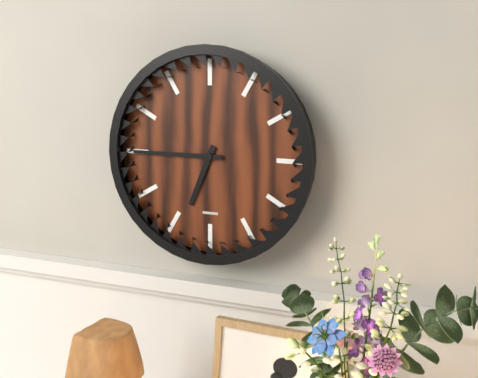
6:45
